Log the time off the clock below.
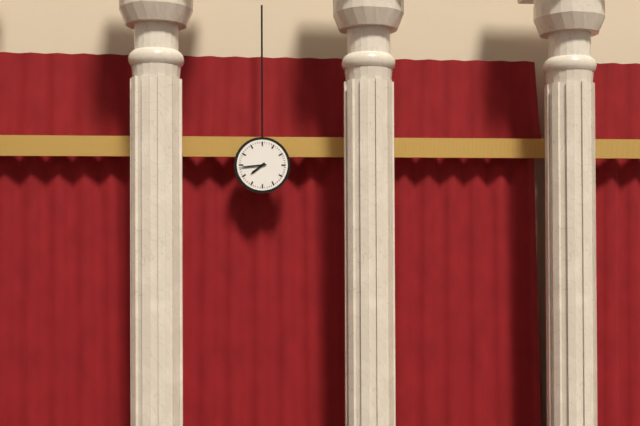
7:44
